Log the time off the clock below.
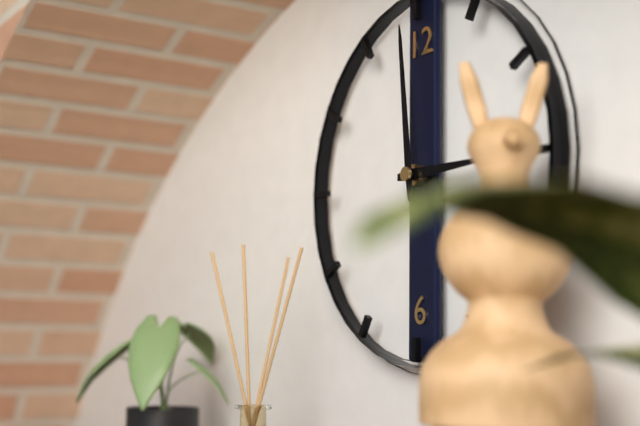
2:59
